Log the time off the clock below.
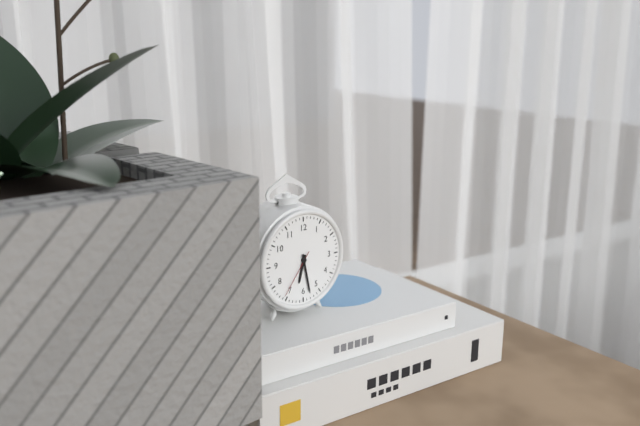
6:28:36
